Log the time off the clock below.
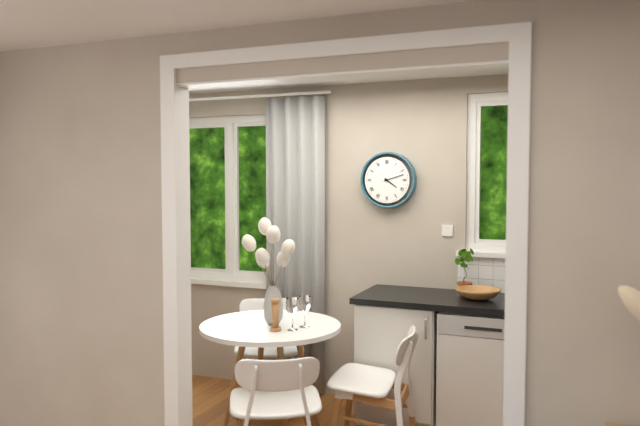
4:12
